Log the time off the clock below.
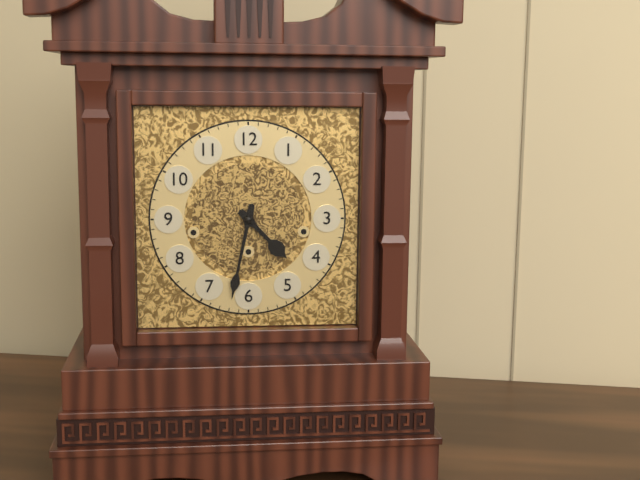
4:32
